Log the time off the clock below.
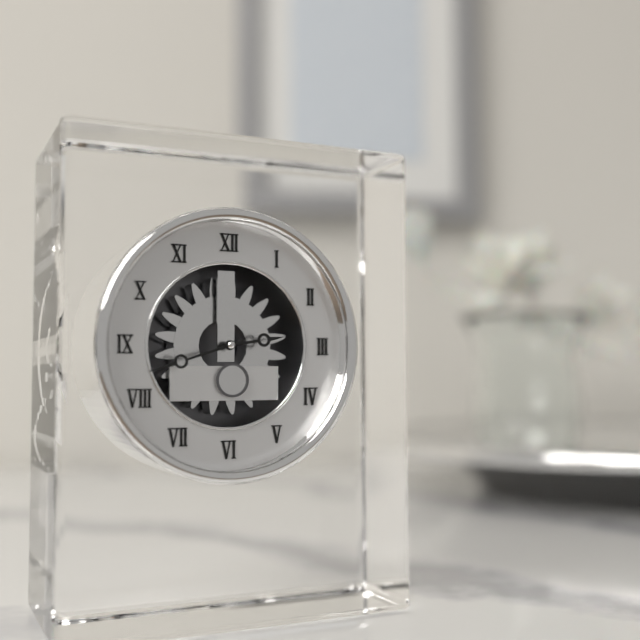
2:42
